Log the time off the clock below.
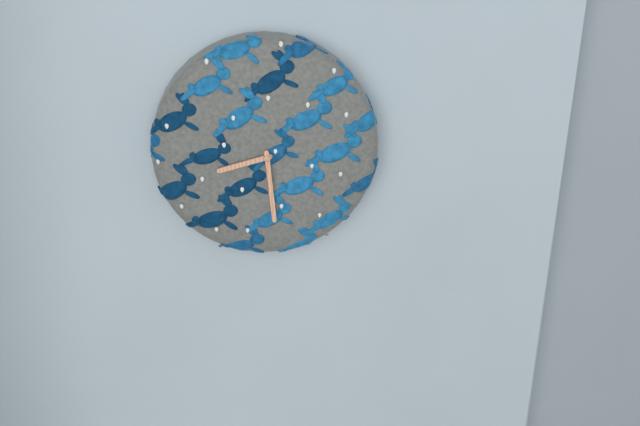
8:29
